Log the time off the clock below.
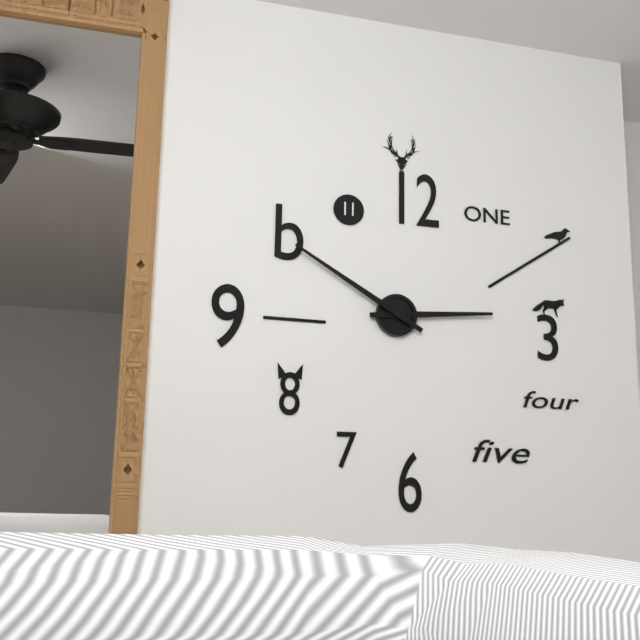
2:50
